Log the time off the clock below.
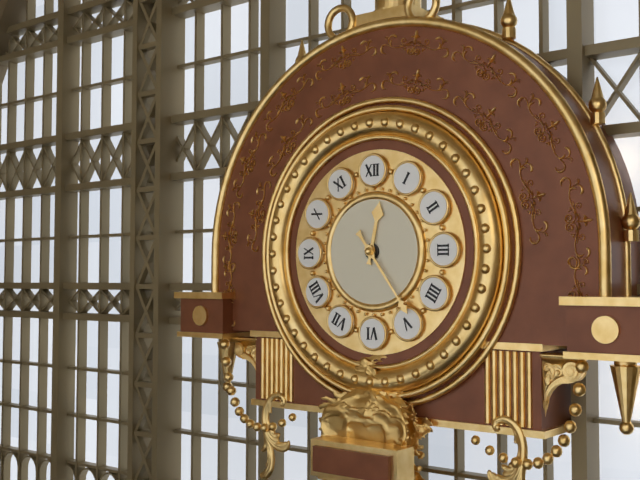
12:24
